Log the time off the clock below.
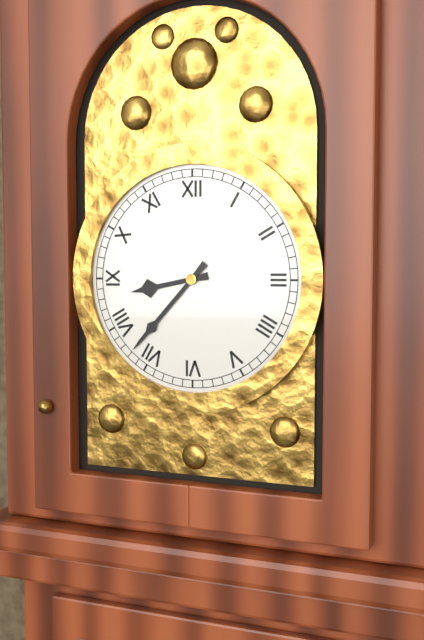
8:37
